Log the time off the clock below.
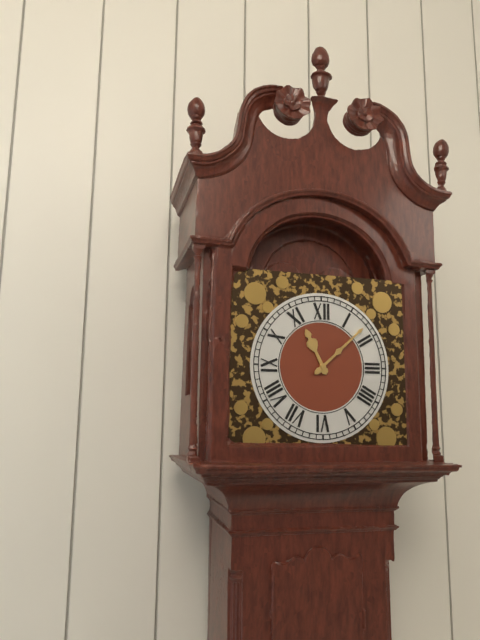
11:08
